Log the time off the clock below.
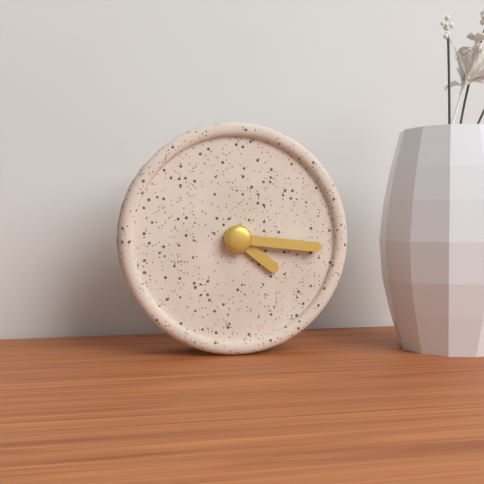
4:16
